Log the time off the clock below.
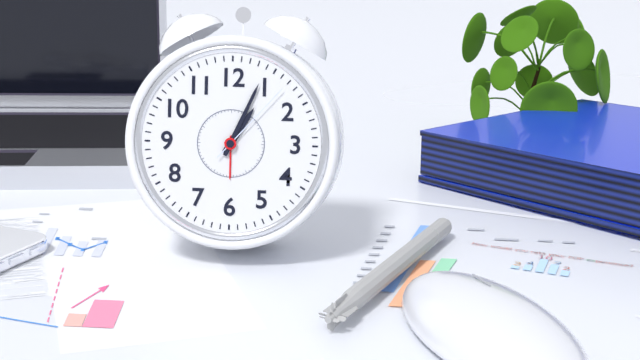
1:04:07
